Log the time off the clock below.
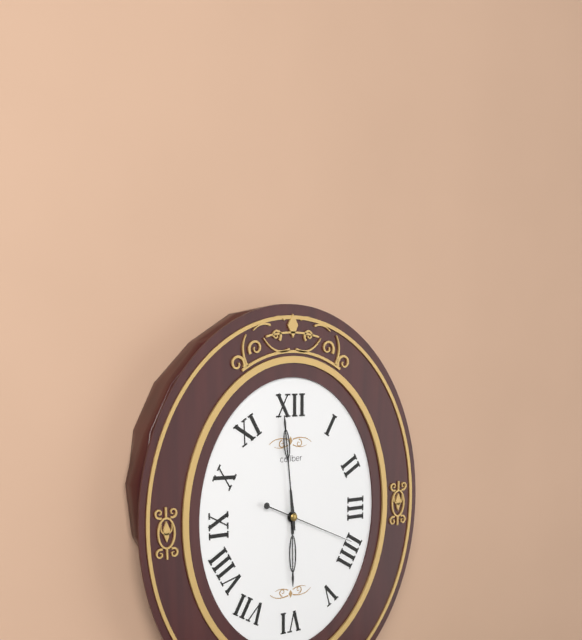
5:59:19
